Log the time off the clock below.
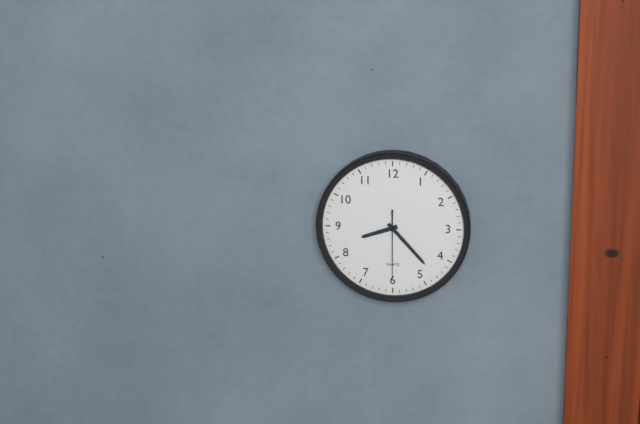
8:23:30
